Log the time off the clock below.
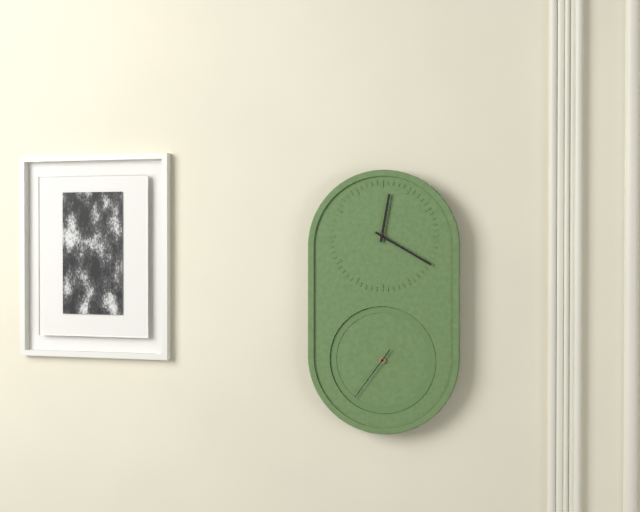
12:20:36
